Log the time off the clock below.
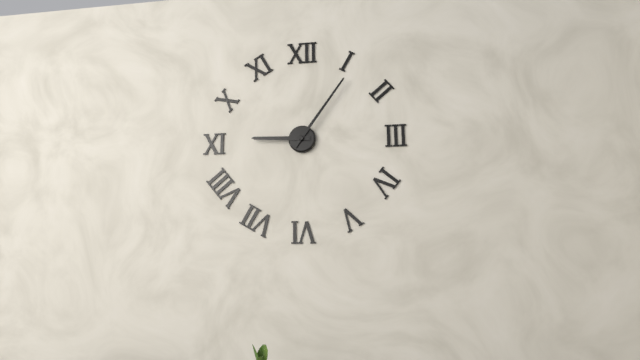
9:06
